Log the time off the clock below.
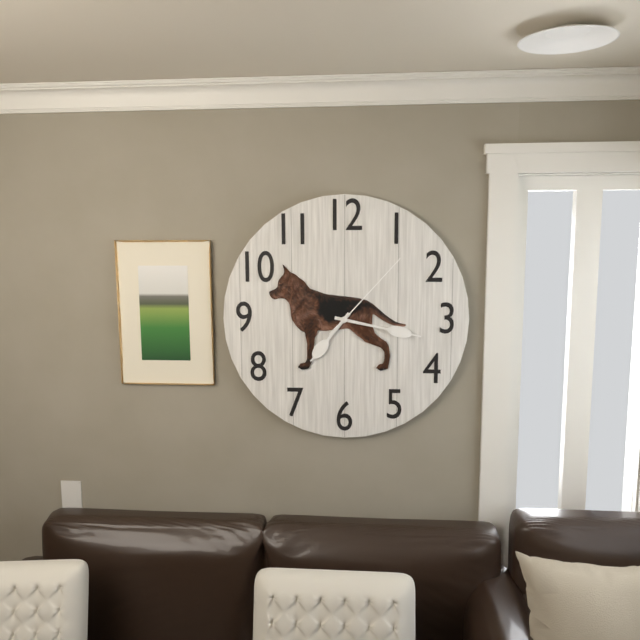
7:17:07
